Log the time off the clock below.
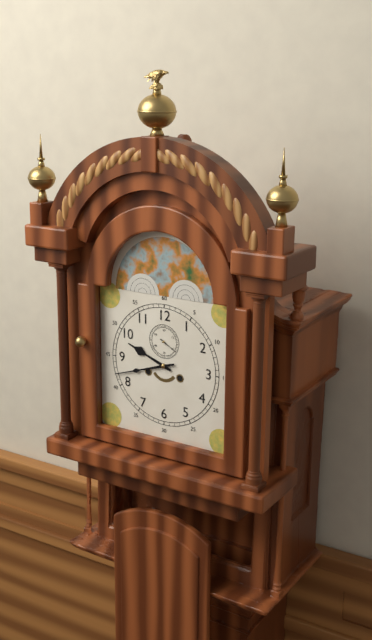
9:42
